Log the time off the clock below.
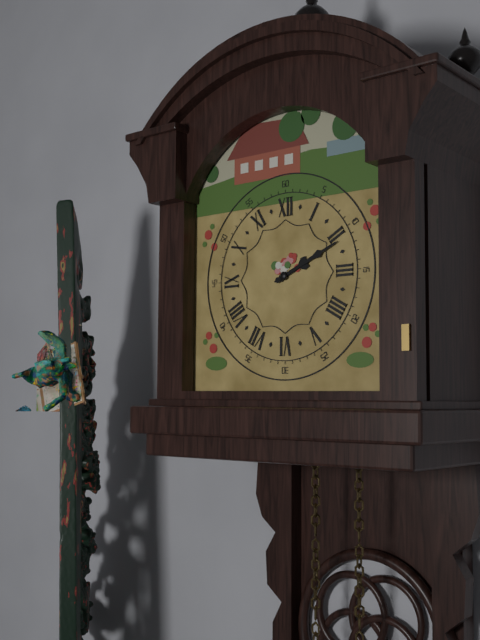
2:11
